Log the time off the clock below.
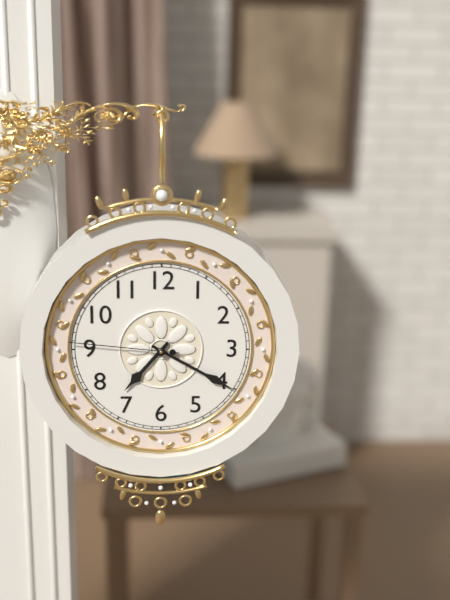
7:20:46
